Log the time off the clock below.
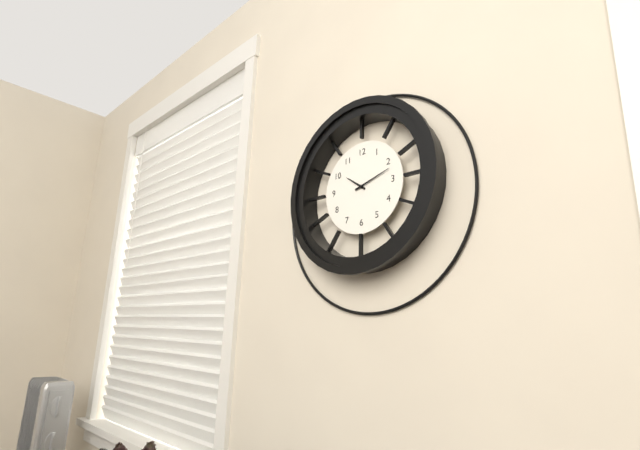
10:12
